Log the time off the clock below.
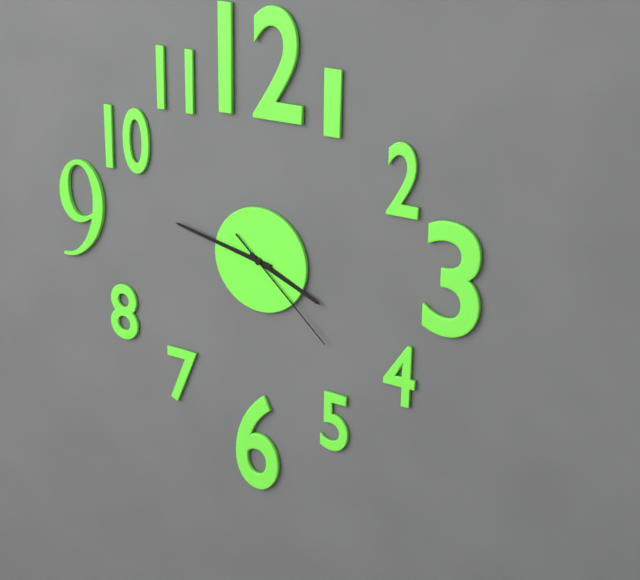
3:47:22
